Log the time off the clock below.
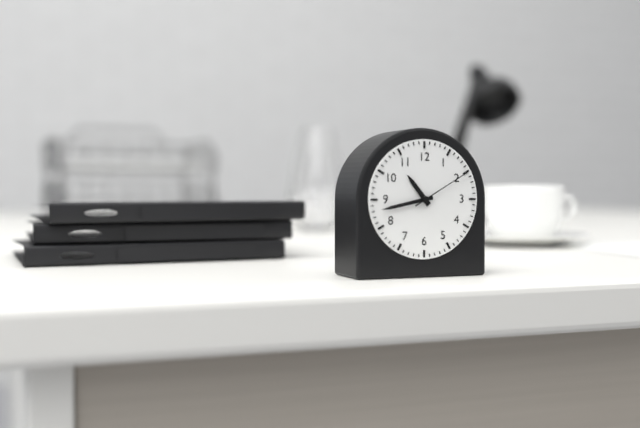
10:43:10
